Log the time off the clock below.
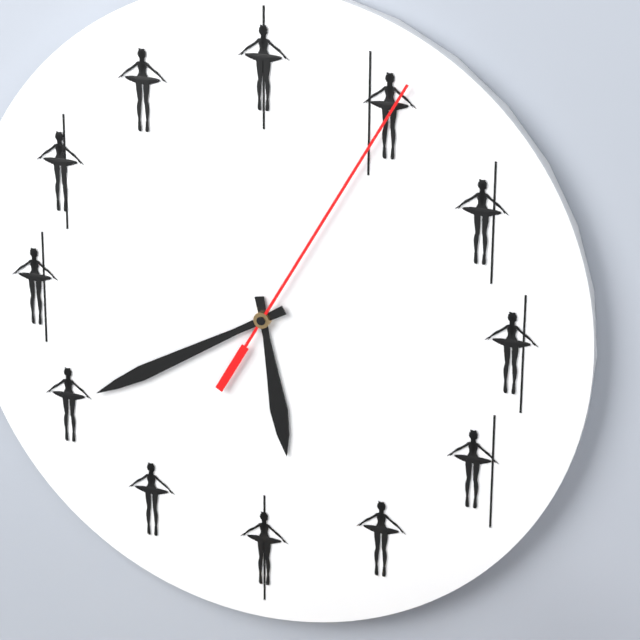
5:40:05
